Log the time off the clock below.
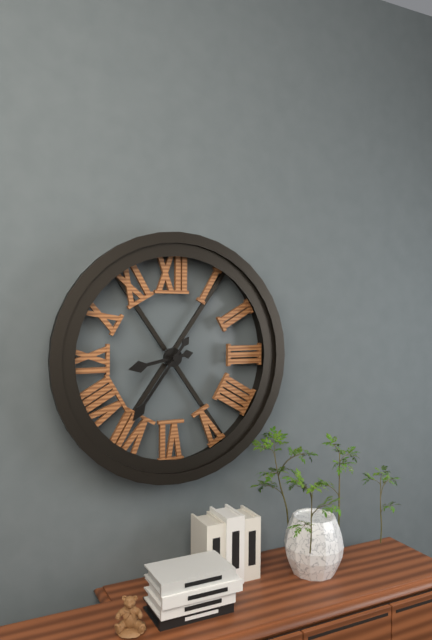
8:36
